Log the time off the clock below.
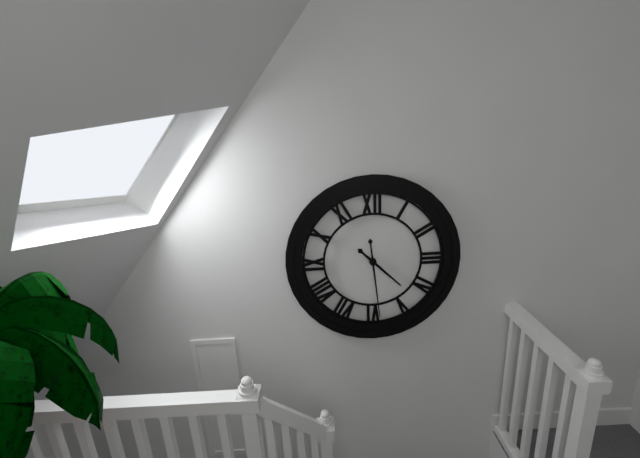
4:29
